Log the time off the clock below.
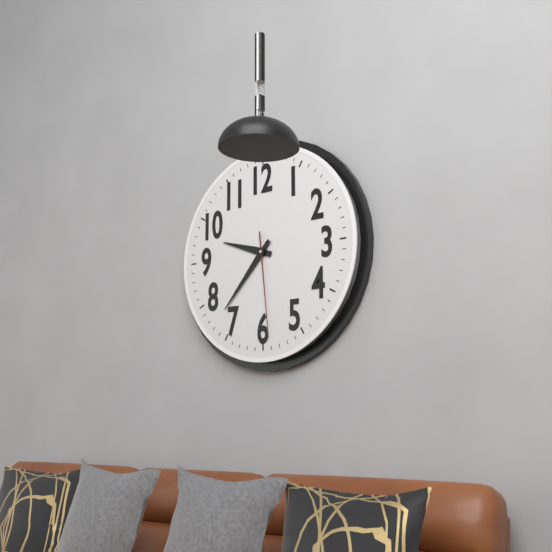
9:37:29
